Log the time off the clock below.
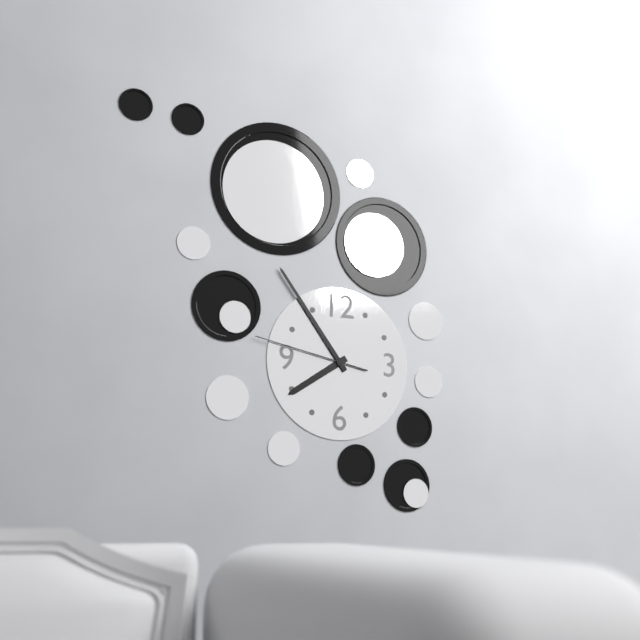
7:54:47
